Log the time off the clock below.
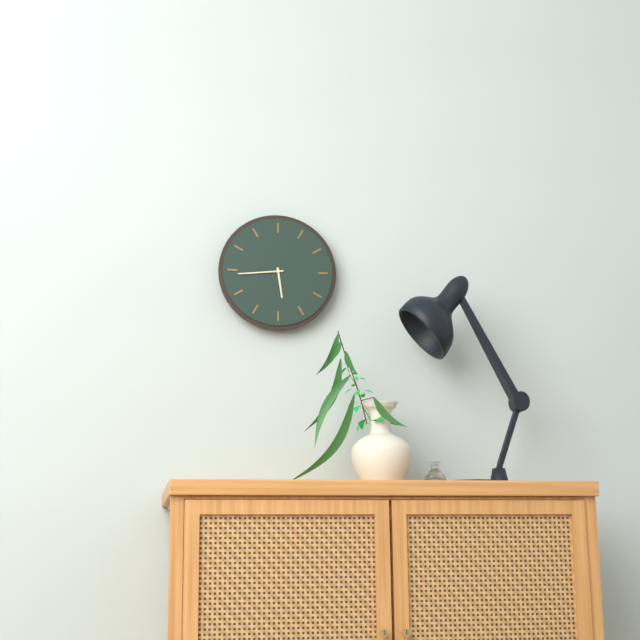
5:44
